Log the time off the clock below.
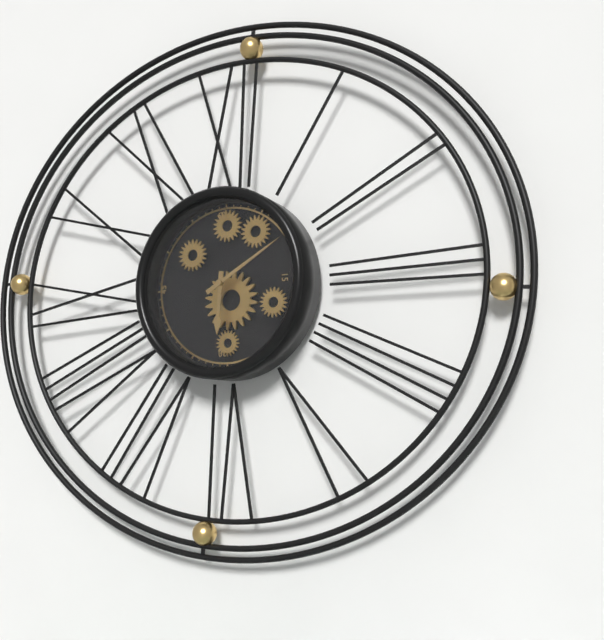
6:10
